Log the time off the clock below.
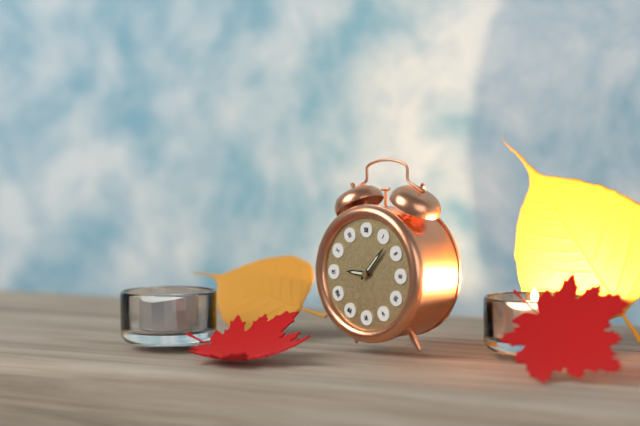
9:07
